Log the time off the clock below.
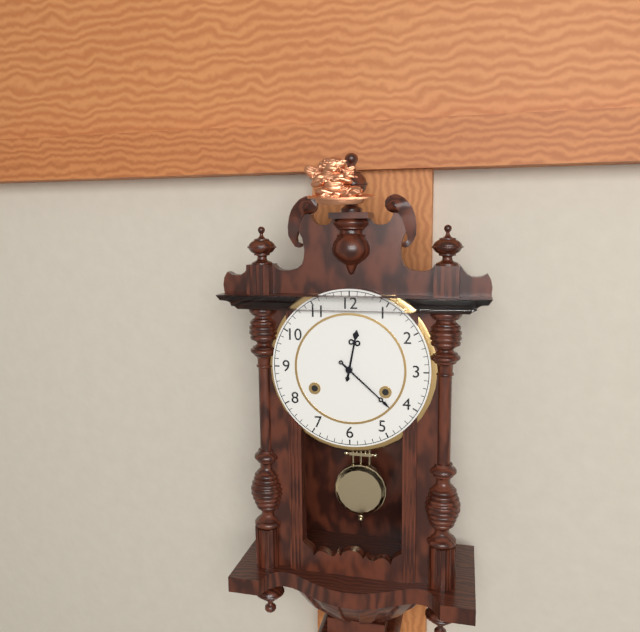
12:22
